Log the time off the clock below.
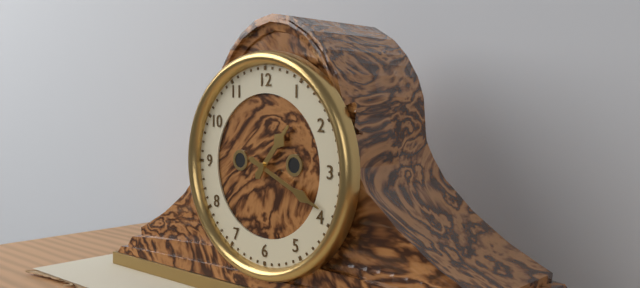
1:19
